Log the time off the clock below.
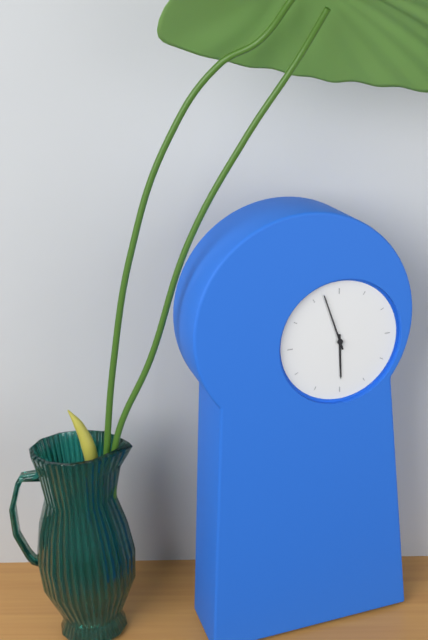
5:57
